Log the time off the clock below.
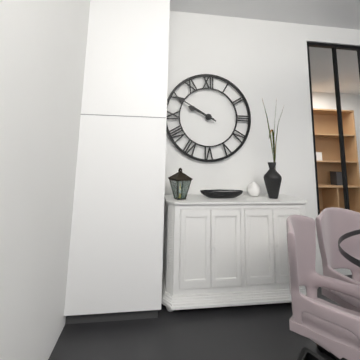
9:50
